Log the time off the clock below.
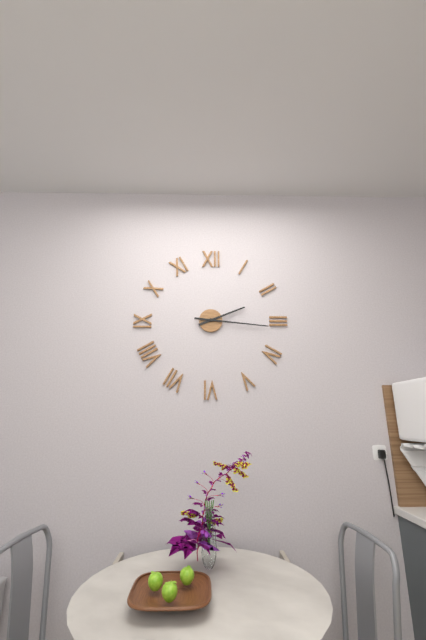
2:16
